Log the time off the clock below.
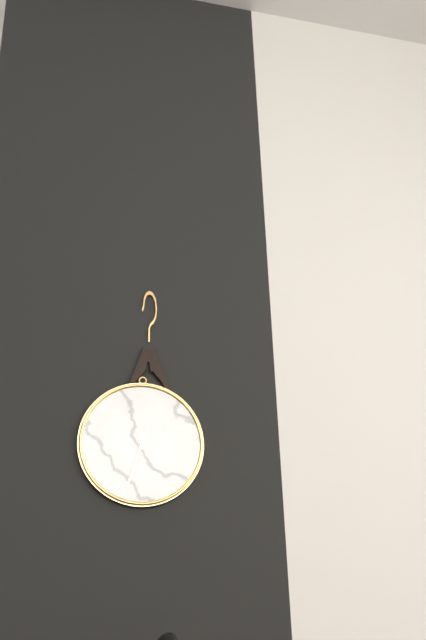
12:33
